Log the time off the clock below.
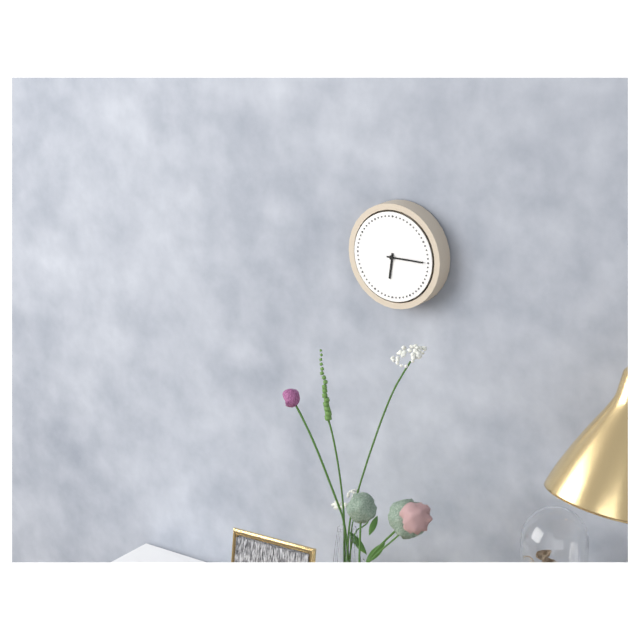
6:15
